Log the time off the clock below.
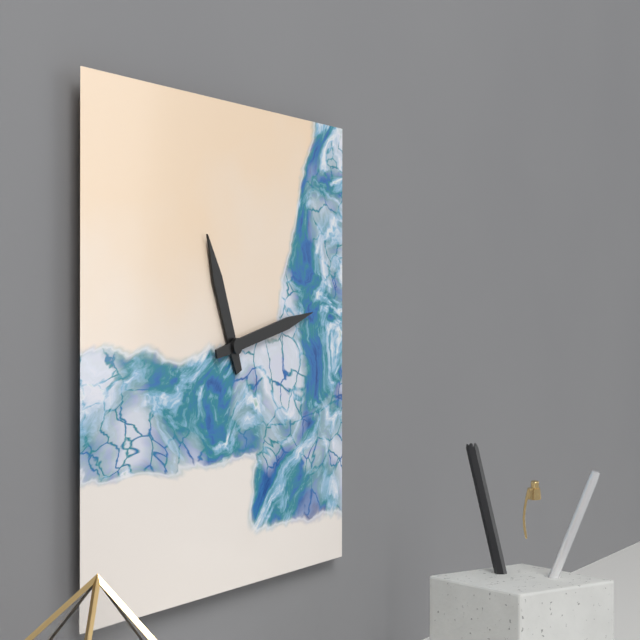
11:13
